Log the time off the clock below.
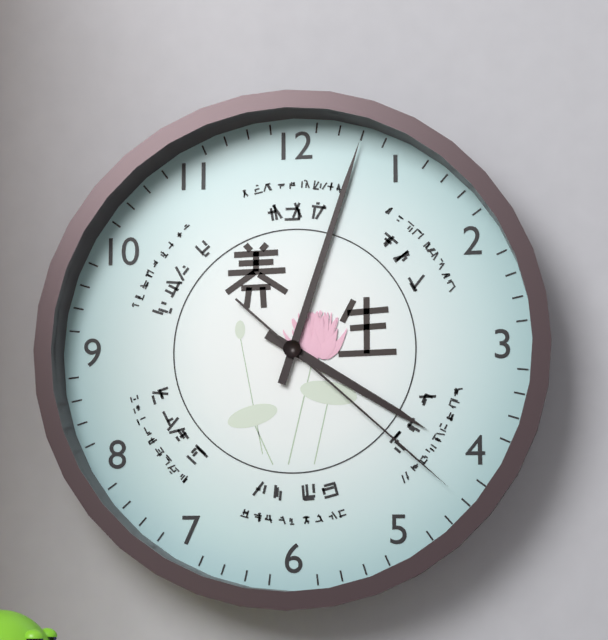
4:03:22
